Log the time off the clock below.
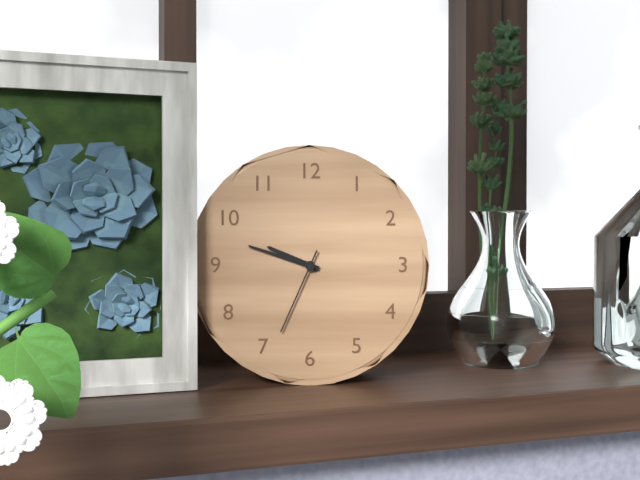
9:48:34
